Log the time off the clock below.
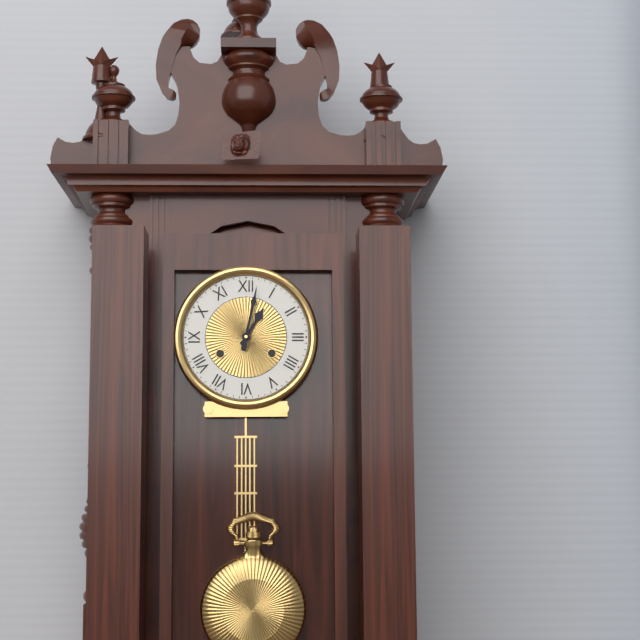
1:02
